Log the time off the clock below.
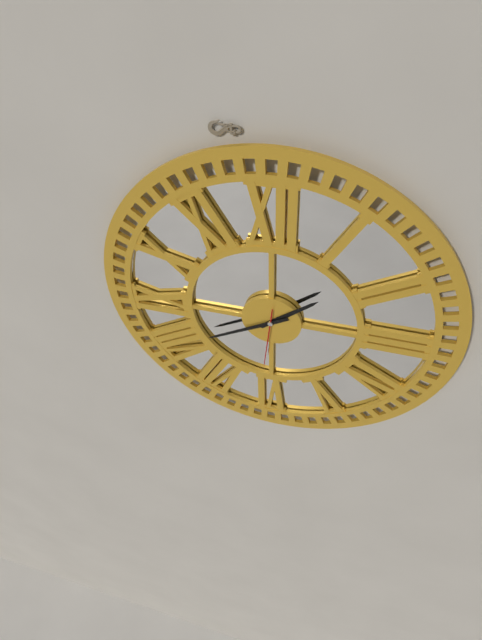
1:40:31
